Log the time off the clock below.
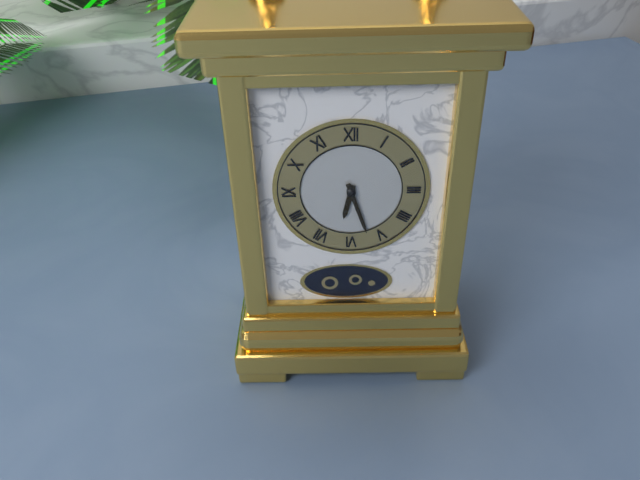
6:27
